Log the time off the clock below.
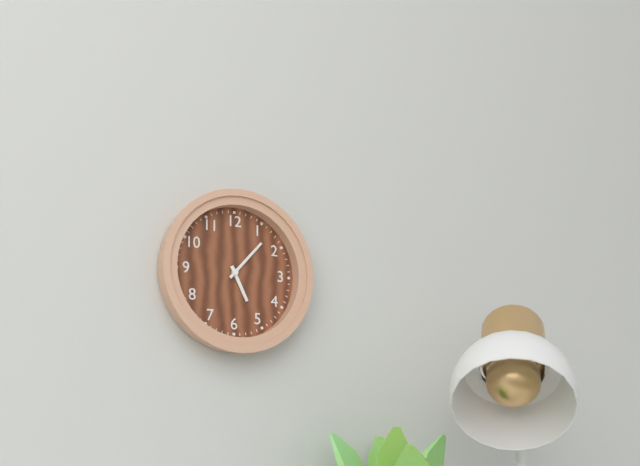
5:07
